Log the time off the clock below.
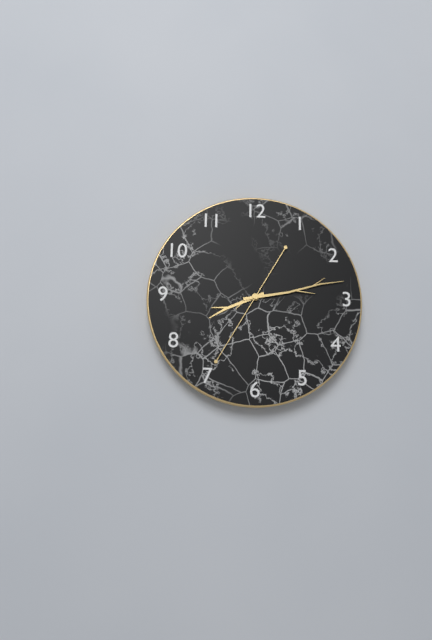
8:13:35
